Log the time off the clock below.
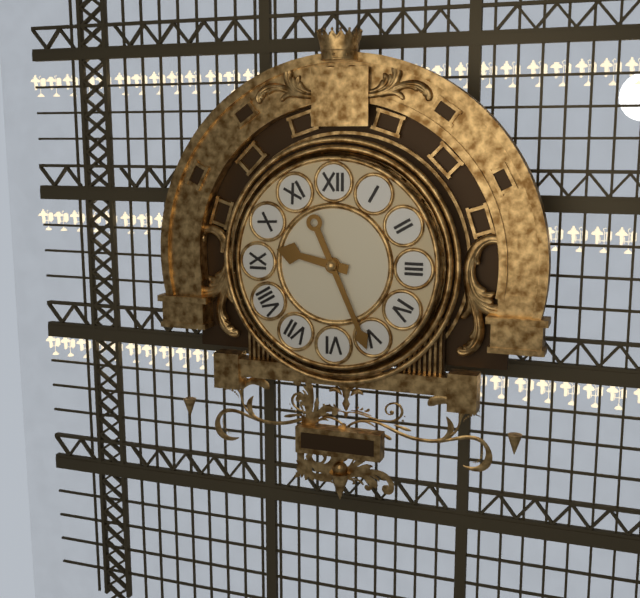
9:26
